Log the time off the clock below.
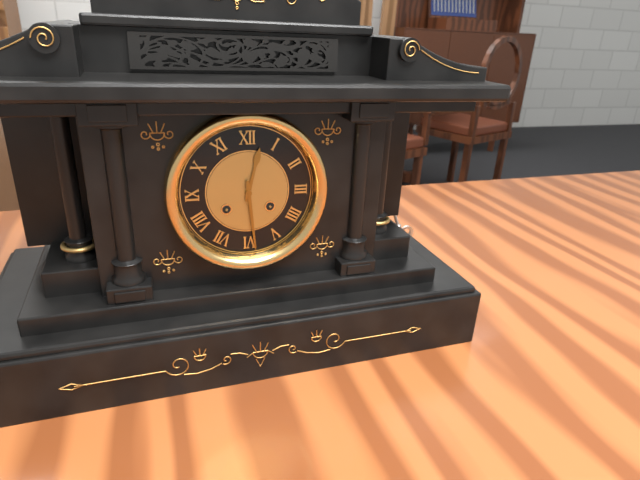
12:29
